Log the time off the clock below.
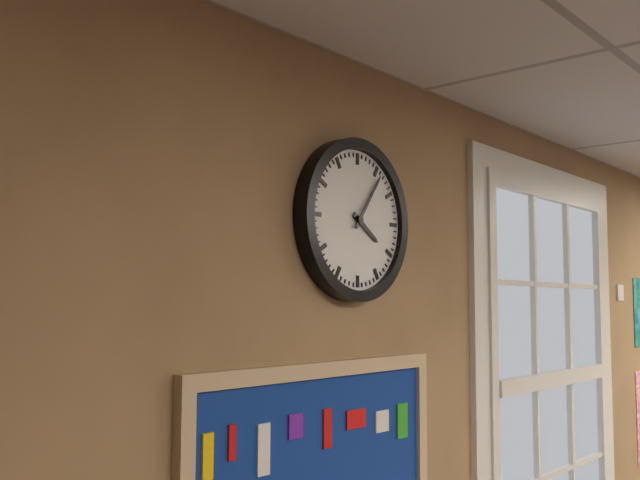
4:06
